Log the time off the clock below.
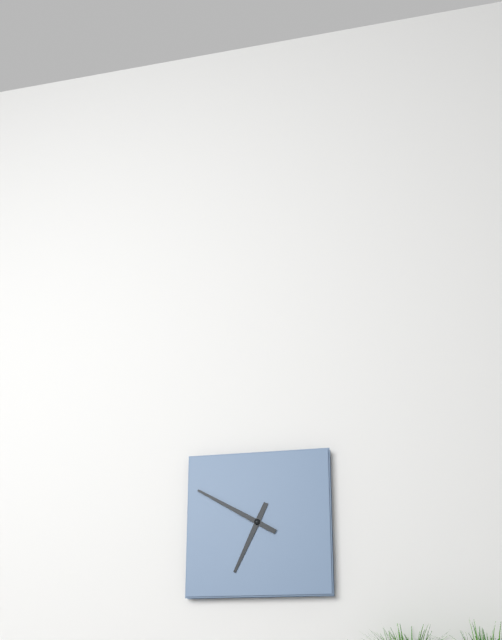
6:50
